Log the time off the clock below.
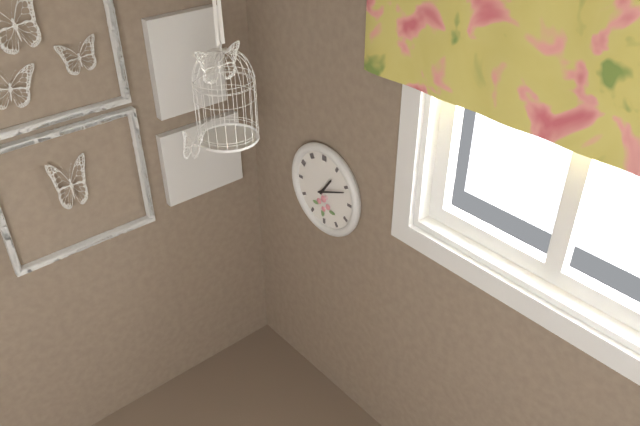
1:11
